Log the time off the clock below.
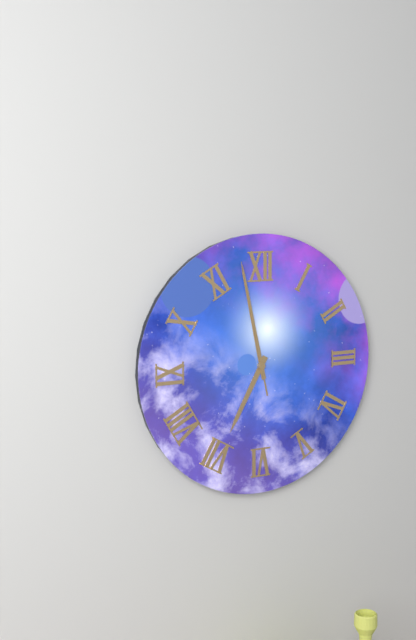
6:58:58
